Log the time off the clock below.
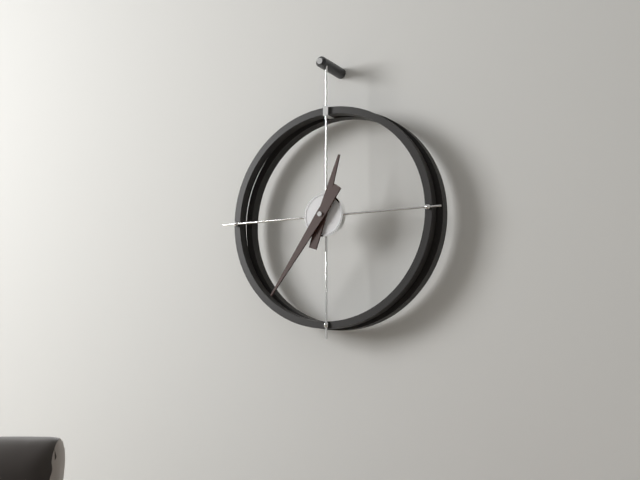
12:36
